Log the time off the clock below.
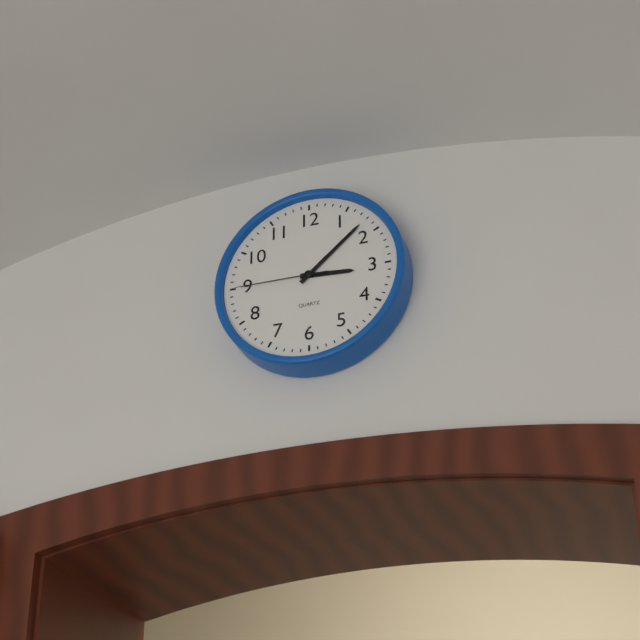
3:08:45
